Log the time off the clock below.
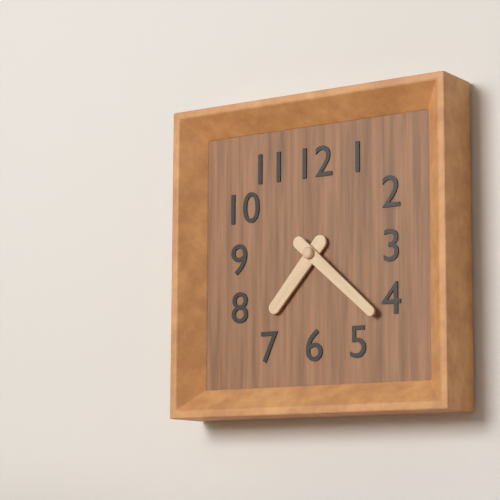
7:22
